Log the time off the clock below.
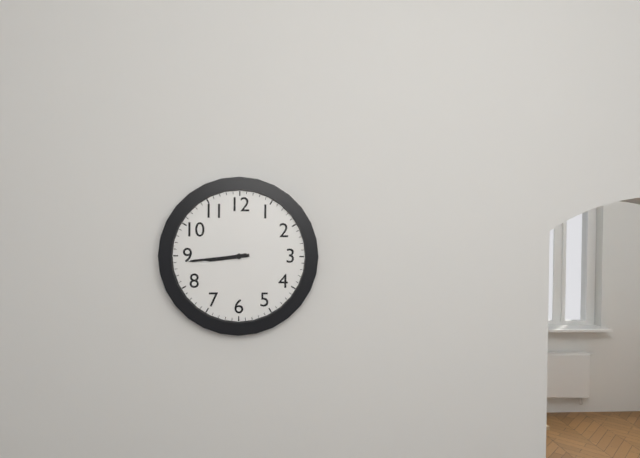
8:44
